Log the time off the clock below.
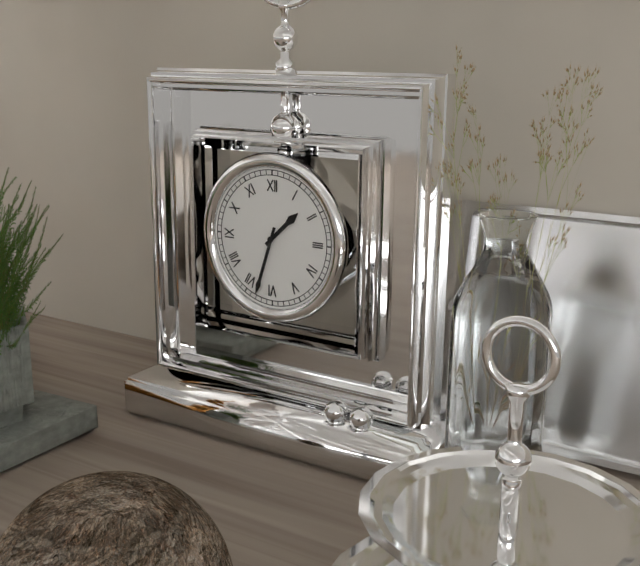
1:33
